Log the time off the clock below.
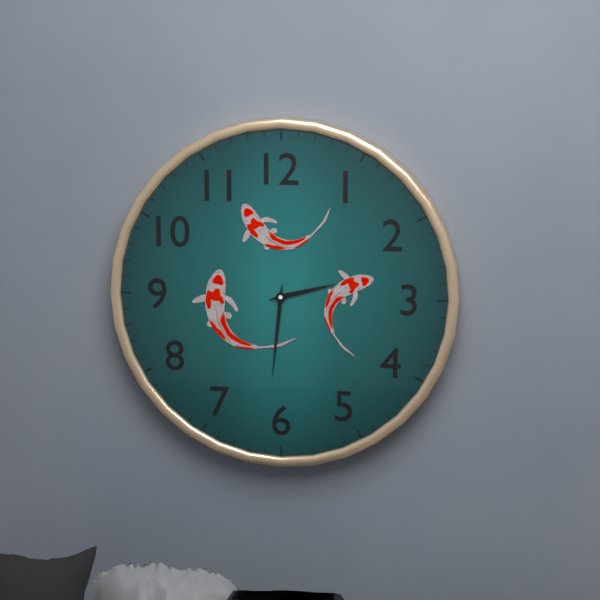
2:31
